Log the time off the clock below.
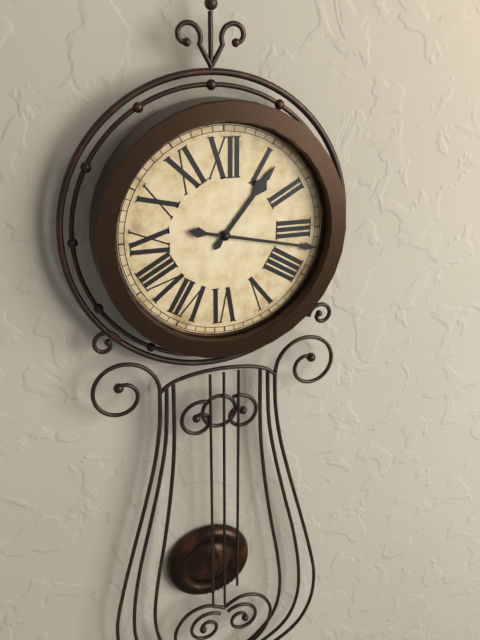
1:17
